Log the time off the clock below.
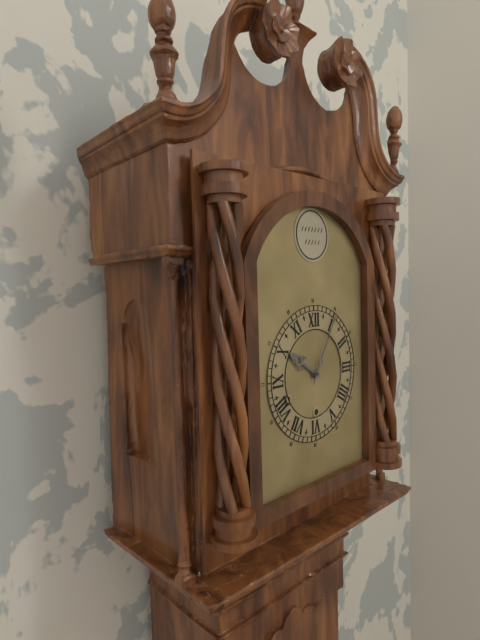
10:05
